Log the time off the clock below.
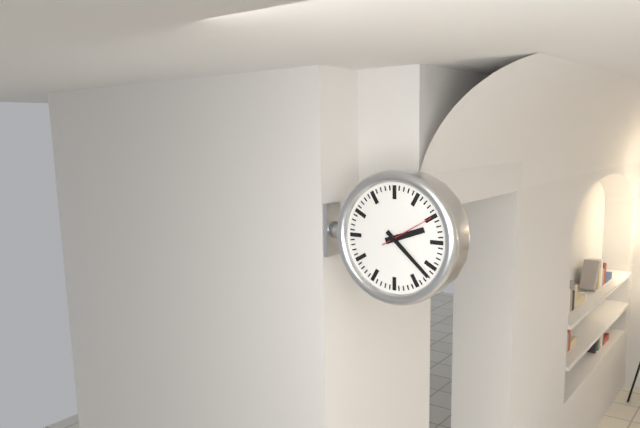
2:22:10
